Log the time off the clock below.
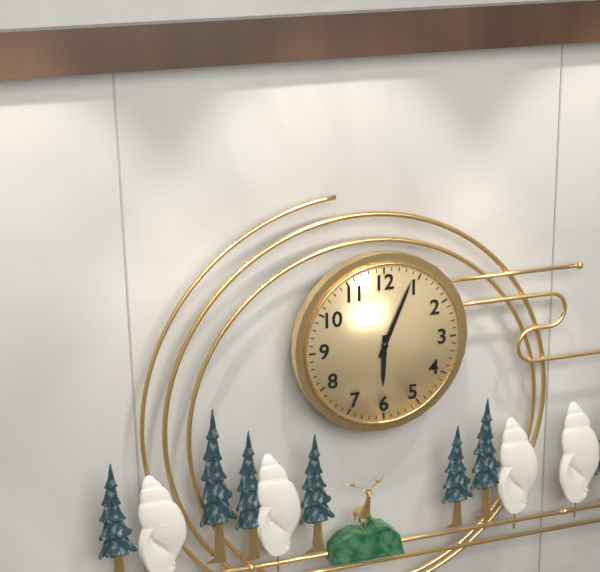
6:04
